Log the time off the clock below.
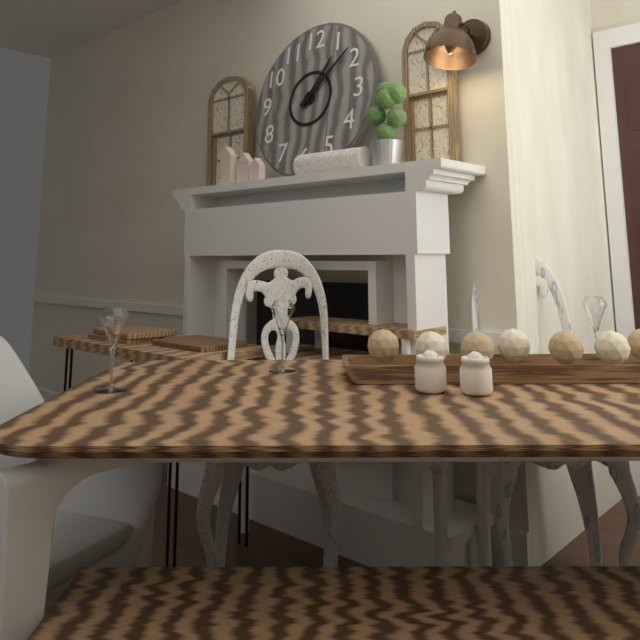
1:08
